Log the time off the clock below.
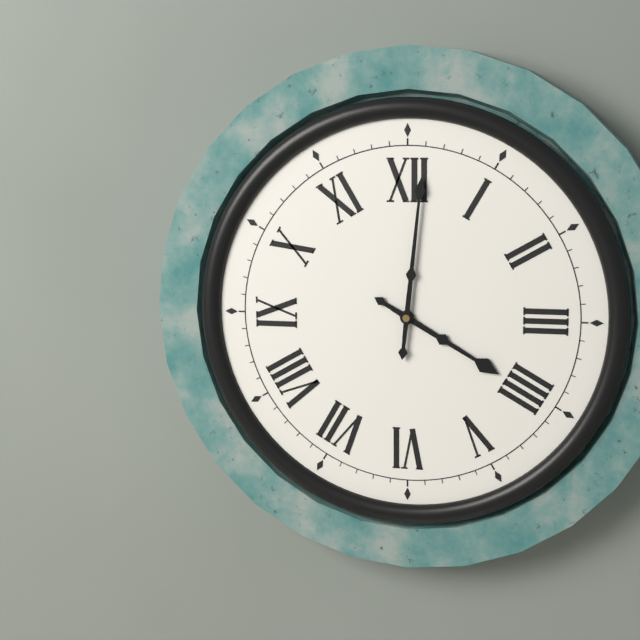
4:01
